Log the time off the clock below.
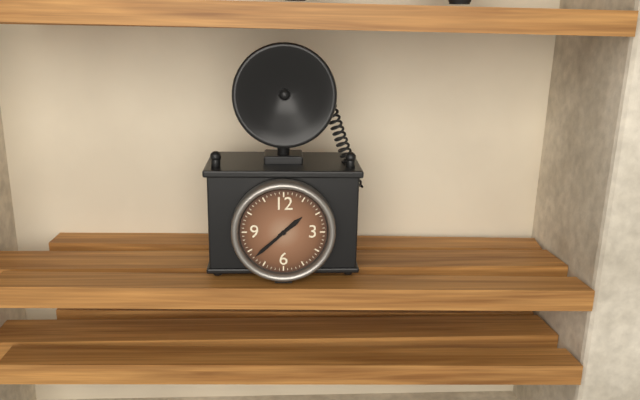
1:38
